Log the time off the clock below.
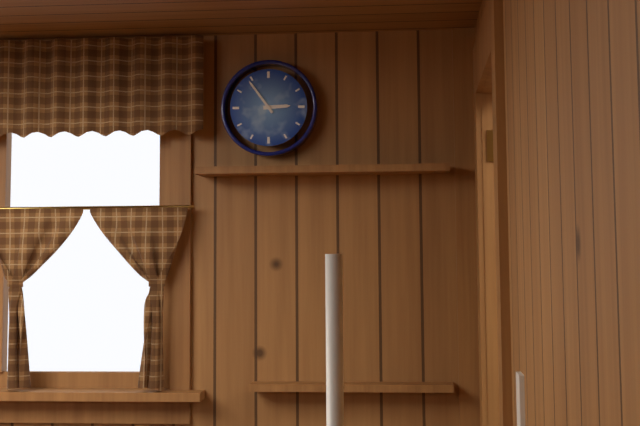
2:54
